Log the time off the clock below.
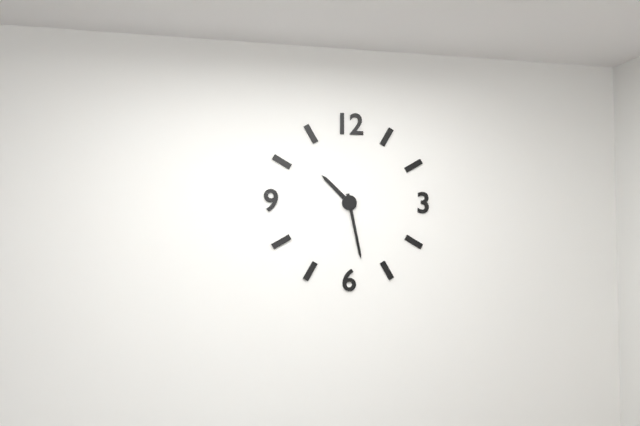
10:28
